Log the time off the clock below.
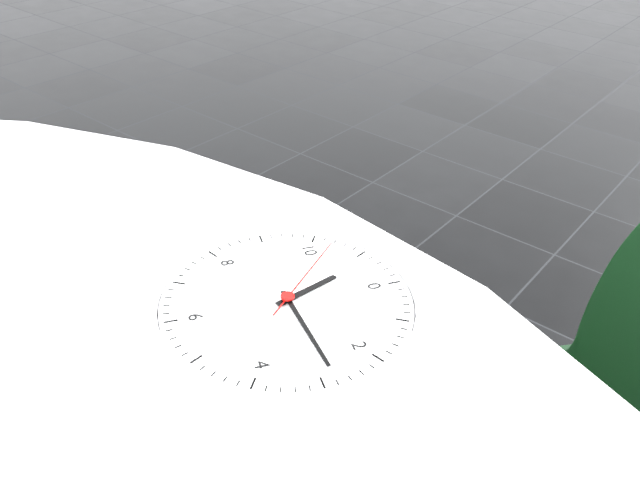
11:14:52
